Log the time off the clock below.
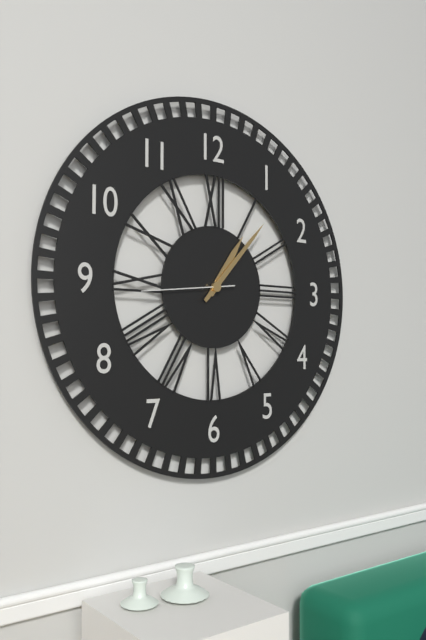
1:07:44
